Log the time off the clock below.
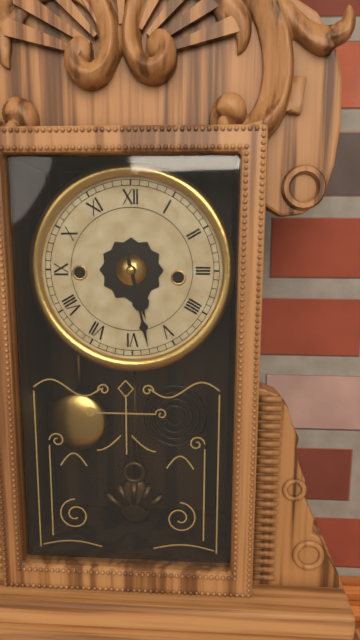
5:28
